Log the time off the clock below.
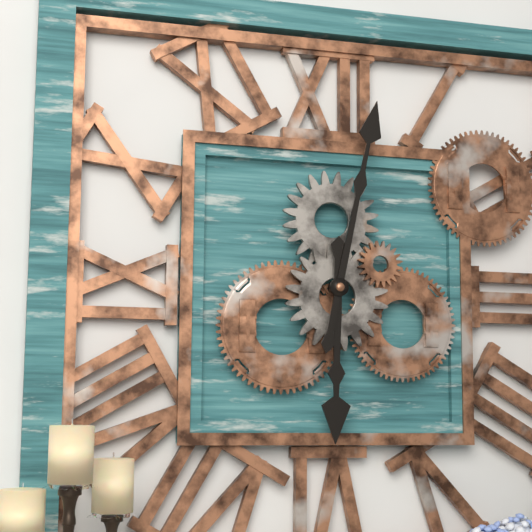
6:02
